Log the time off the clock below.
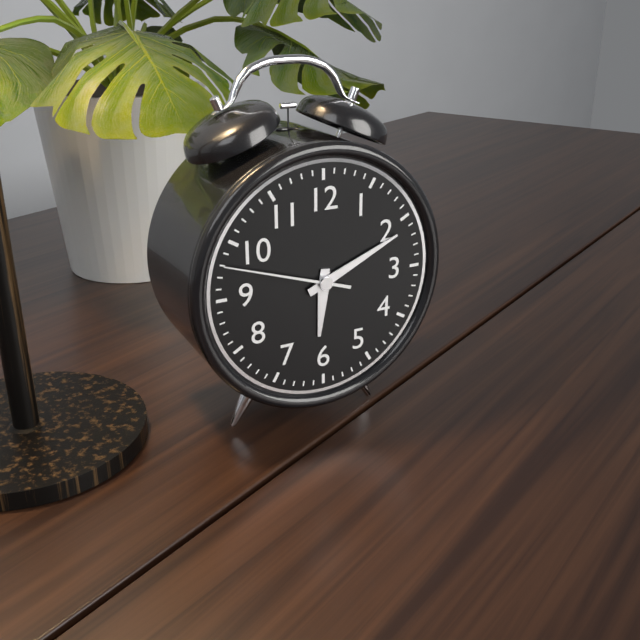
6:11:48
